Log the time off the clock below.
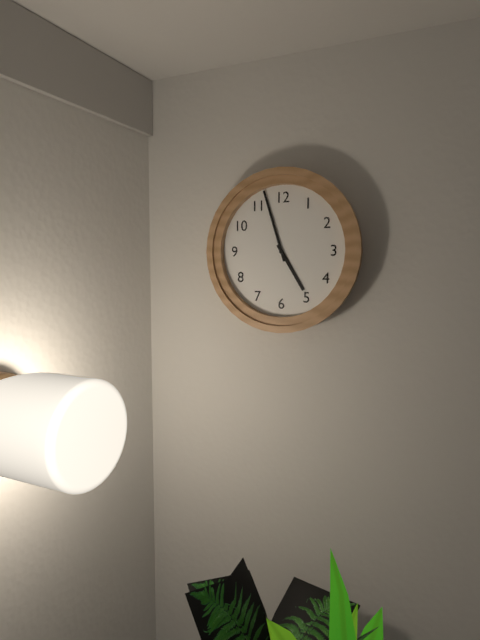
4:57
